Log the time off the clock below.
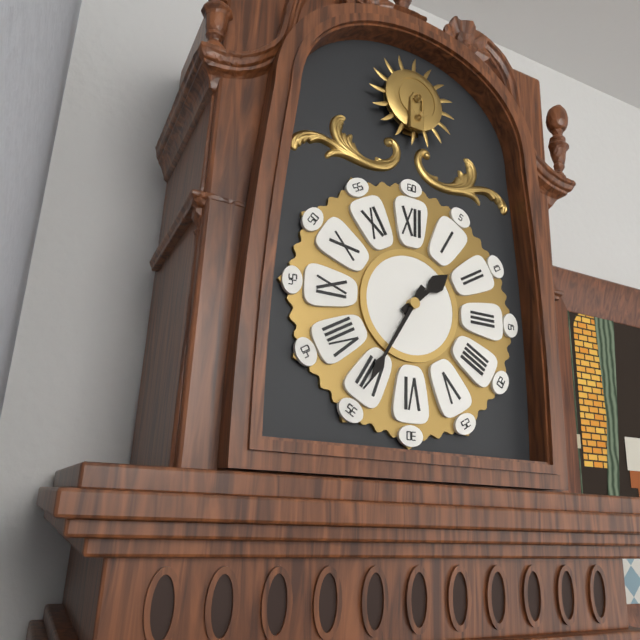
1:35
